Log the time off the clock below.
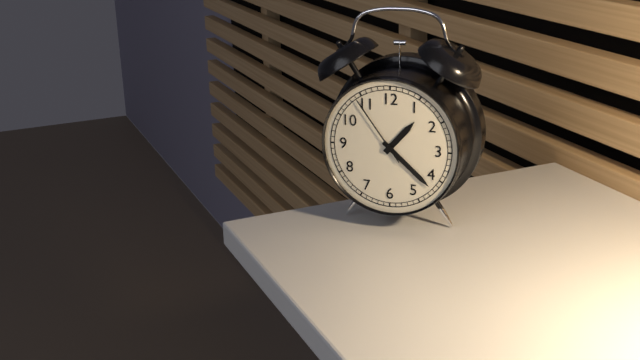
1:22:54
